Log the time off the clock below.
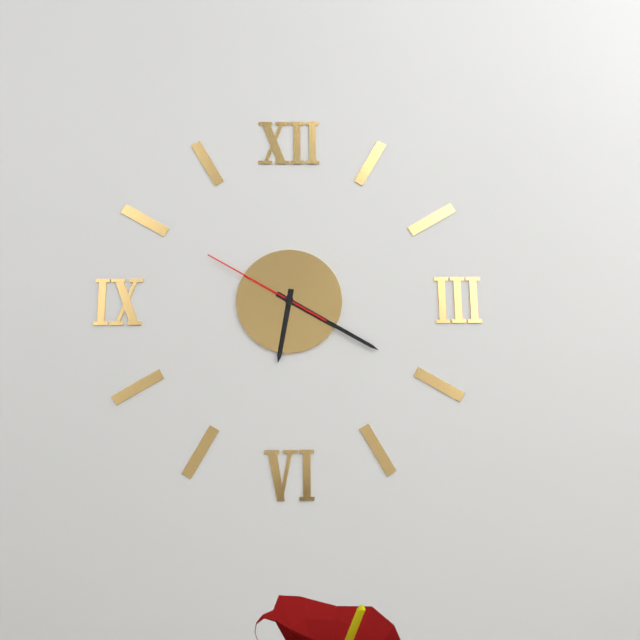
6:20:50
